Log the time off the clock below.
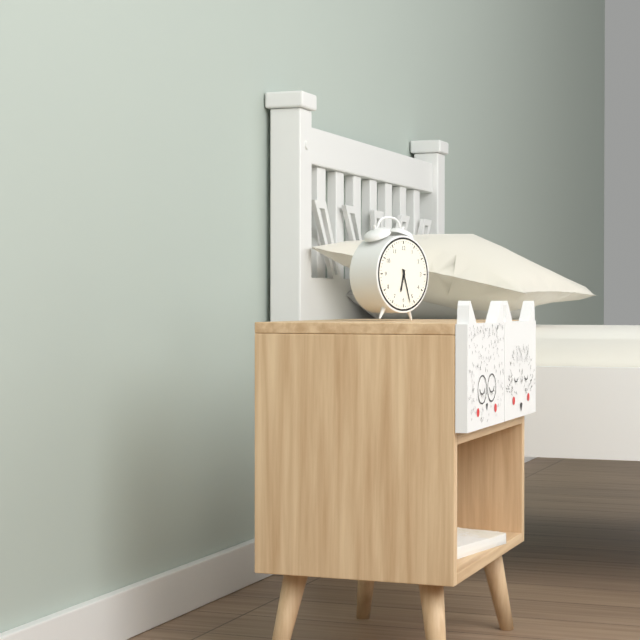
6:27
